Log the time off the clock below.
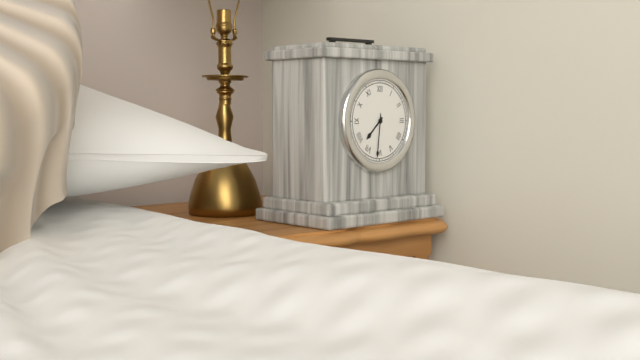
7:31
